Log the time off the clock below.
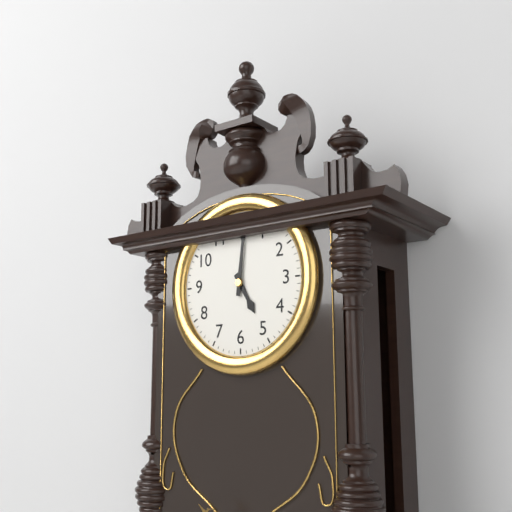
5:01
